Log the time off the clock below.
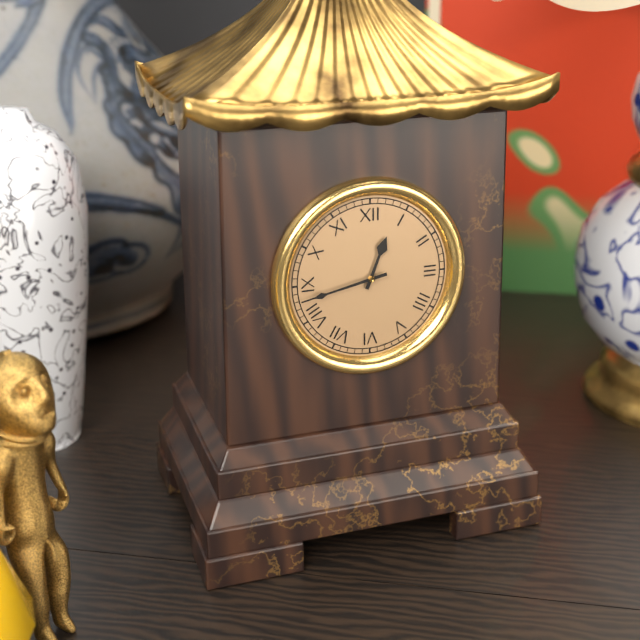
12:43
